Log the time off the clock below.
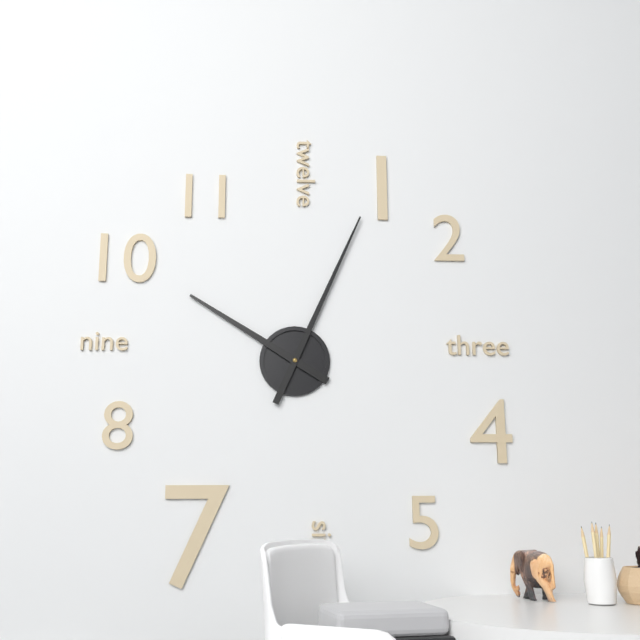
10:04
